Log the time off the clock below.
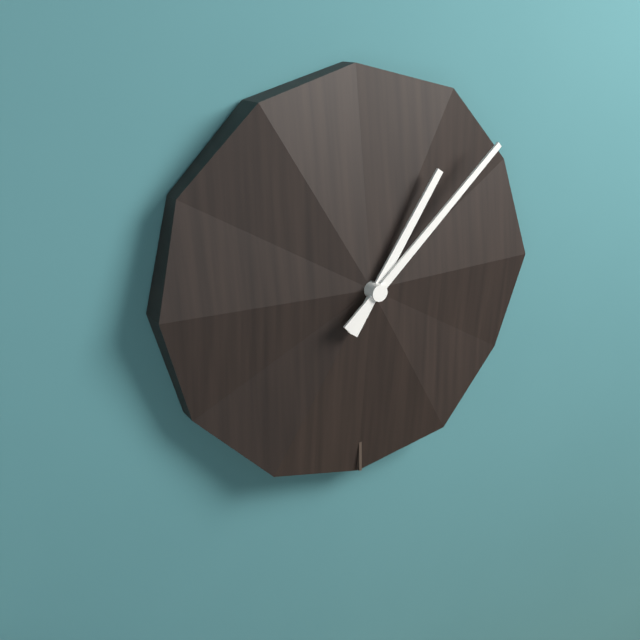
1:08
